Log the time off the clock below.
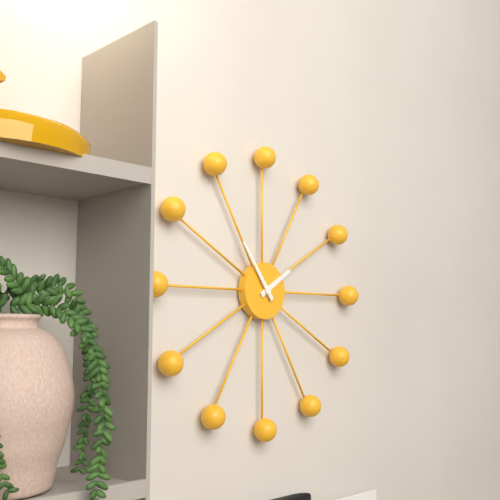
1:54
